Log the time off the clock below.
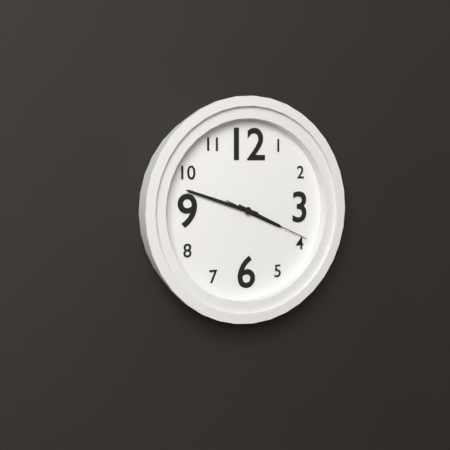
3:48:19
